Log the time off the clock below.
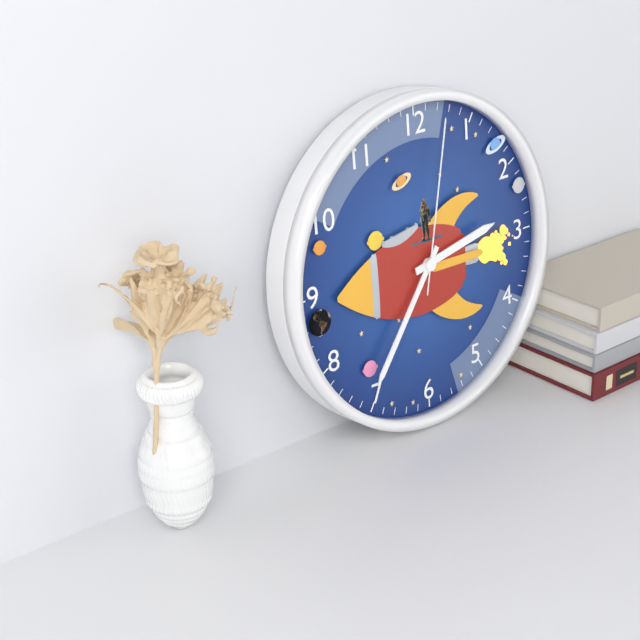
2:36:02
